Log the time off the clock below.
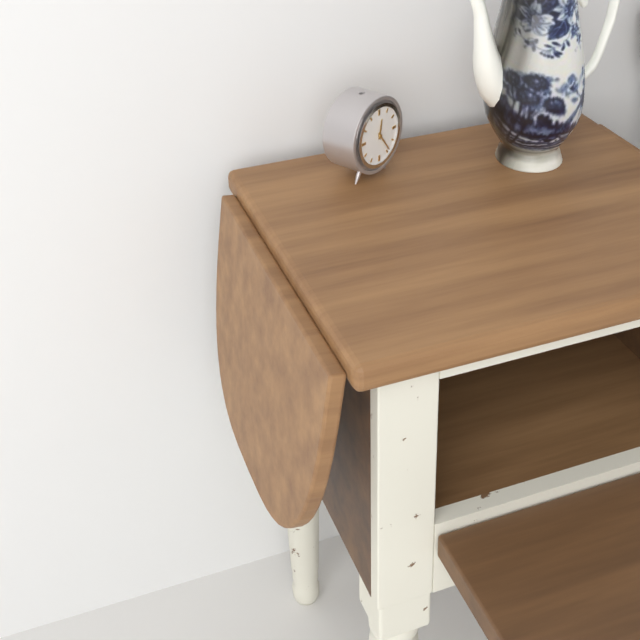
12:24
